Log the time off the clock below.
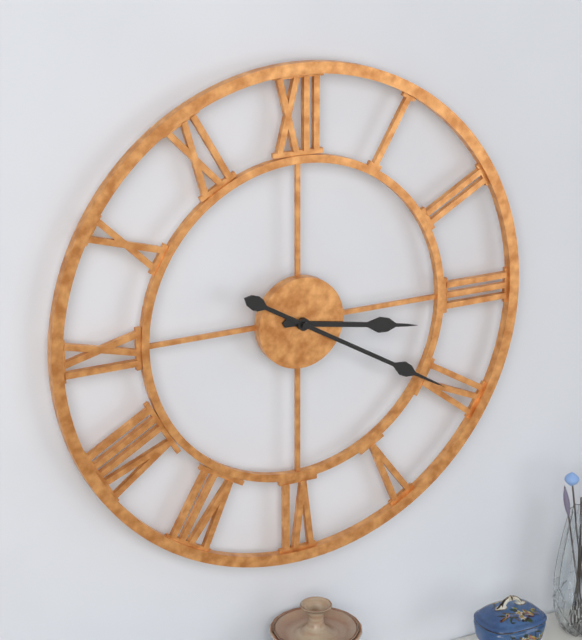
3:20
